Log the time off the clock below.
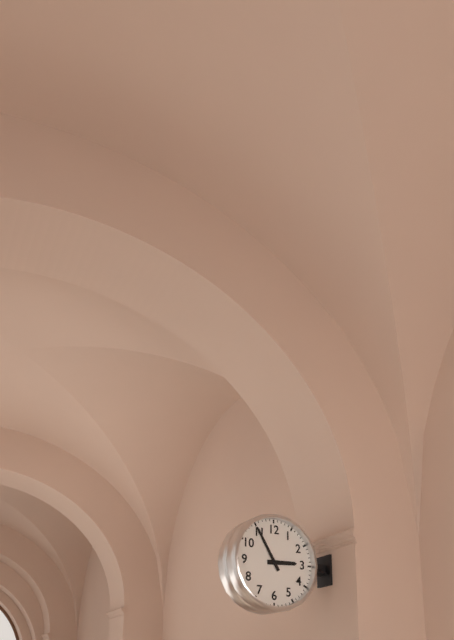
2:55
